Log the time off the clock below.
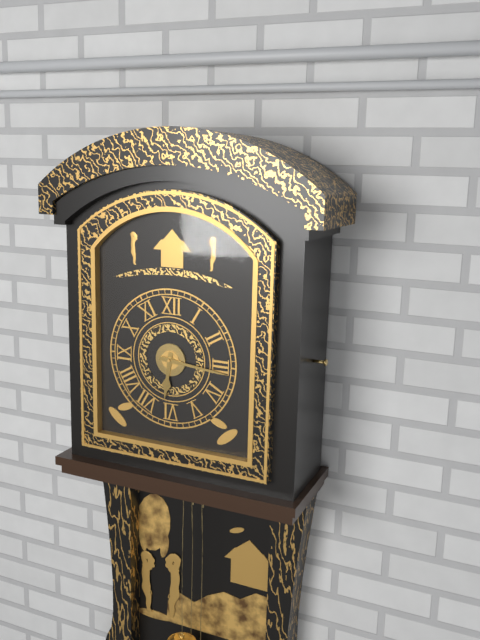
6:16
